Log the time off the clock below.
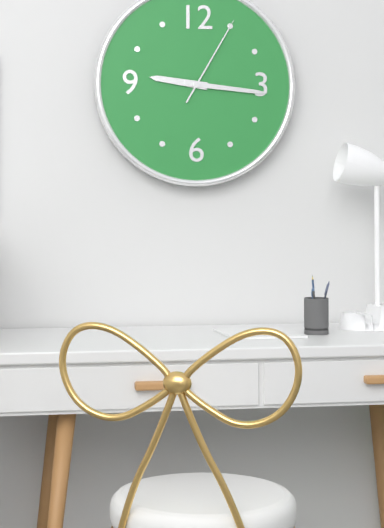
9:16:05
